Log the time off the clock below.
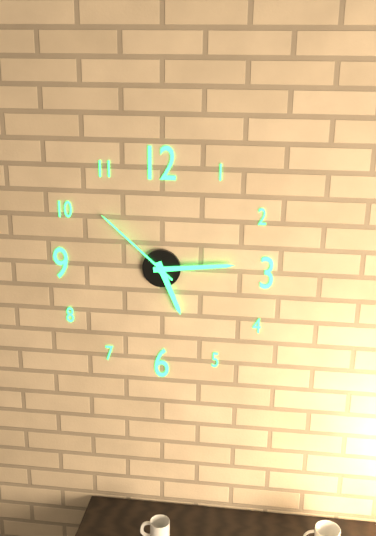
5:14:52
